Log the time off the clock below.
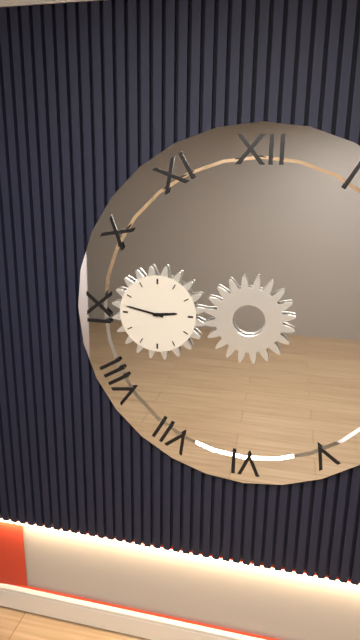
2:47
